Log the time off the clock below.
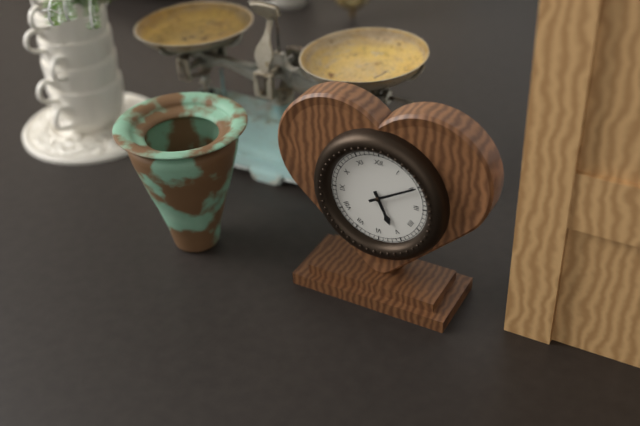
5:10
